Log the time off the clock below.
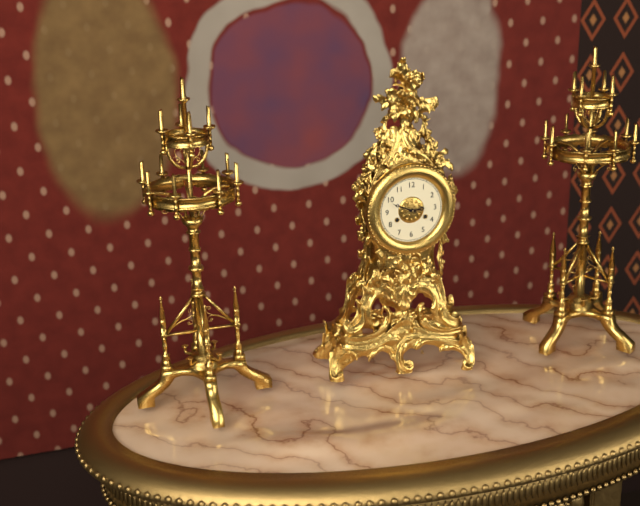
2:49
